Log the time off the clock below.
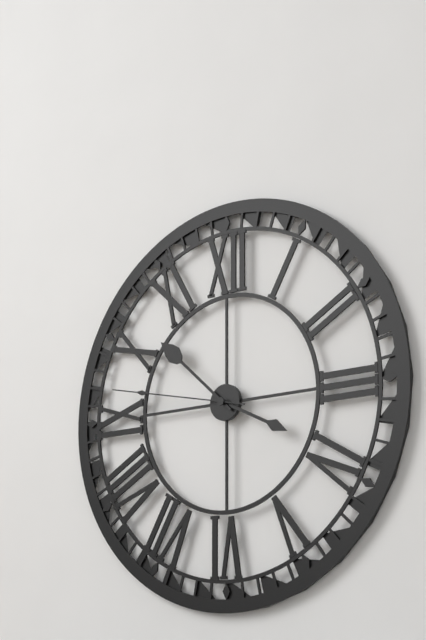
3:52:47
